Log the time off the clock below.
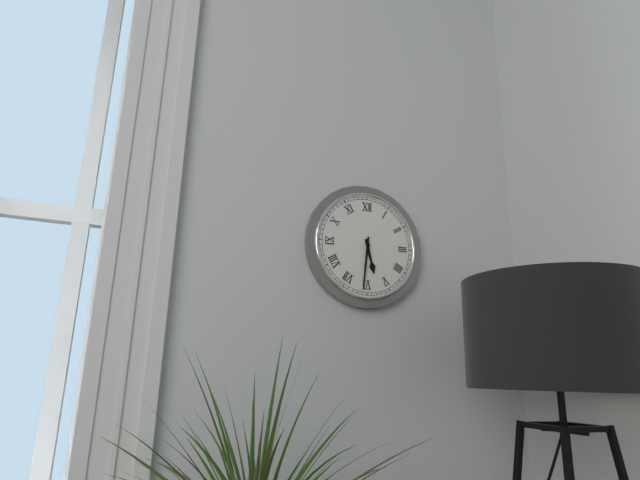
5:31
